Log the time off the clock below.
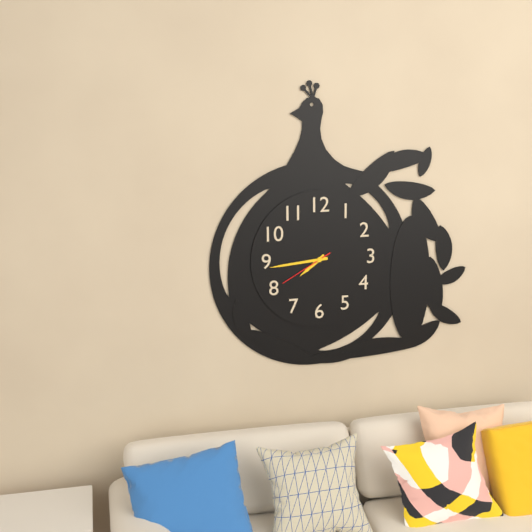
7:44:40
